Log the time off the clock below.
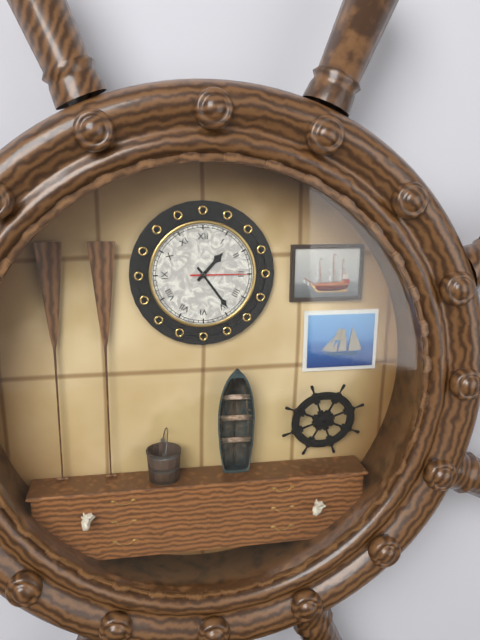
1:24:15
